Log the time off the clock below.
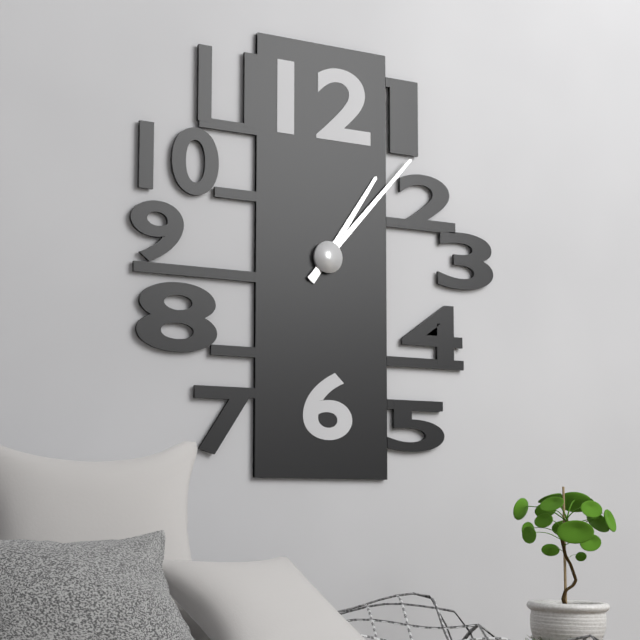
1:07
